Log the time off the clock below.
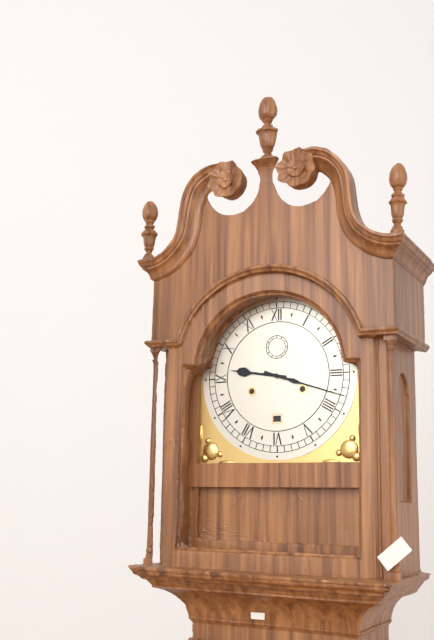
9:18
